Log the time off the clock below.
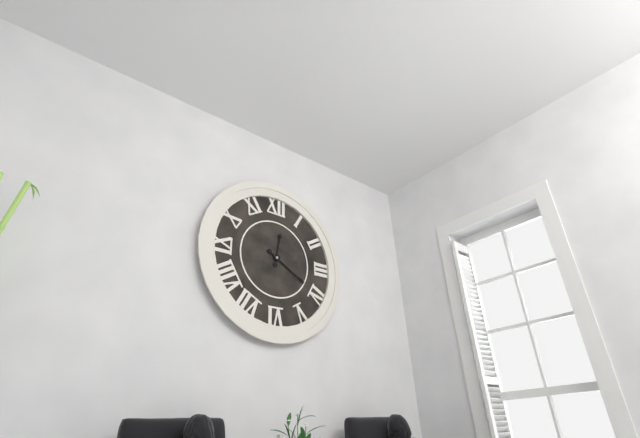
12:20
